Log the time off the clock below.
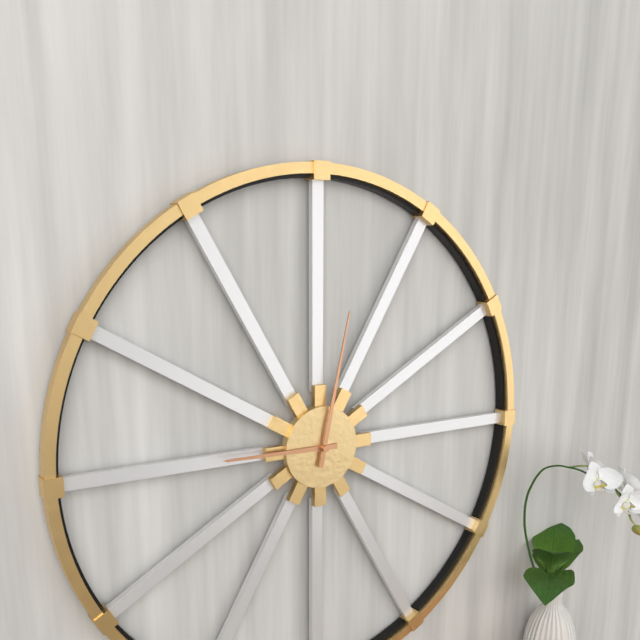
9:02
